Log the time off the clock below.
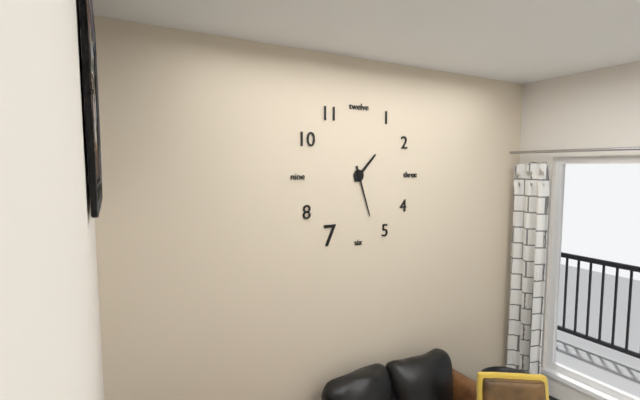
1:27
